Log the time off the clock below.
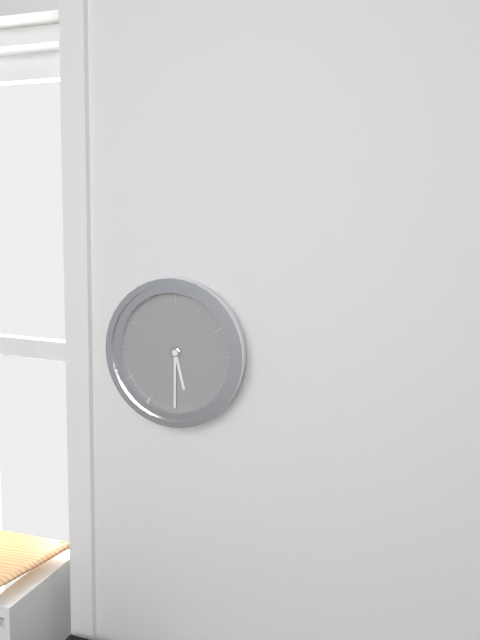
5:30
